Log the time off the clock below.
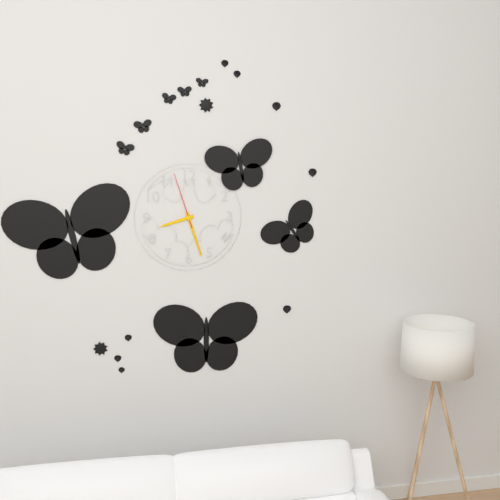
8:27:57
